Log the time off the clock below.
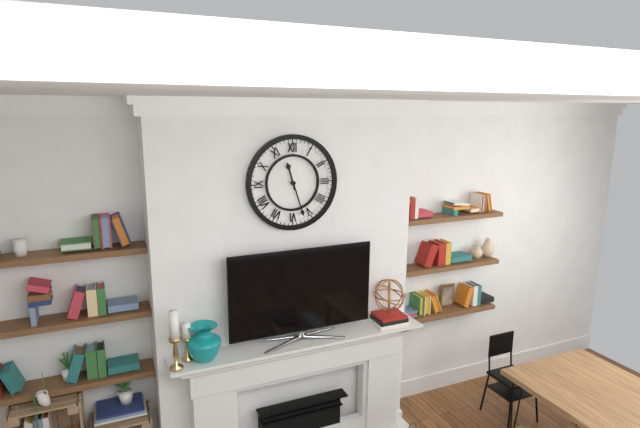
11:27
